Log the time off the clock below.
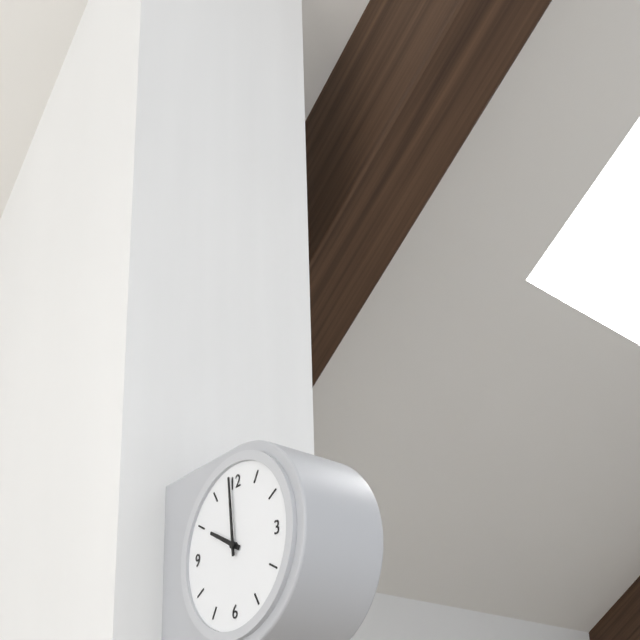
9:59
